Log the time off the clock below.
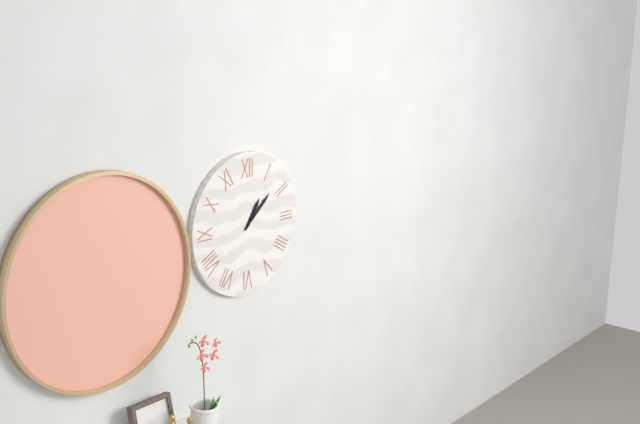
1:08
